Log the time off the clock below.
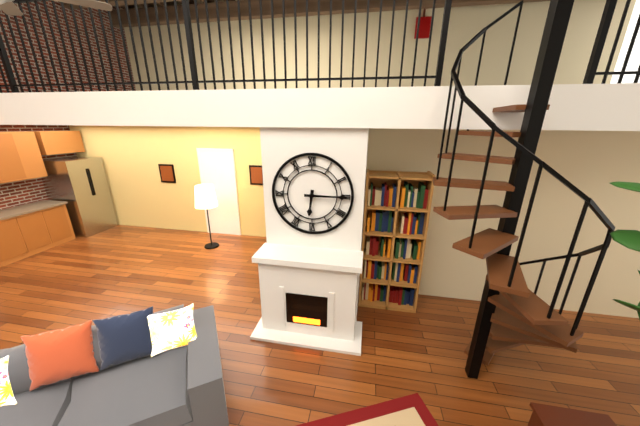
6:15
